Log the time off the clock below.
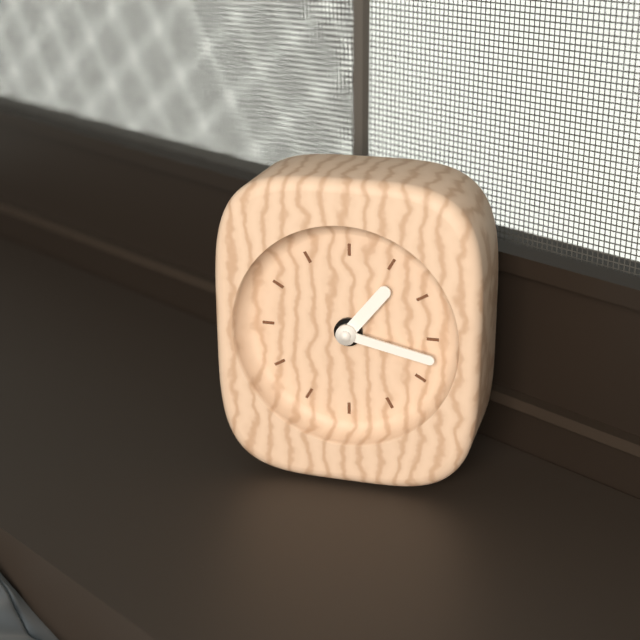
1:17
